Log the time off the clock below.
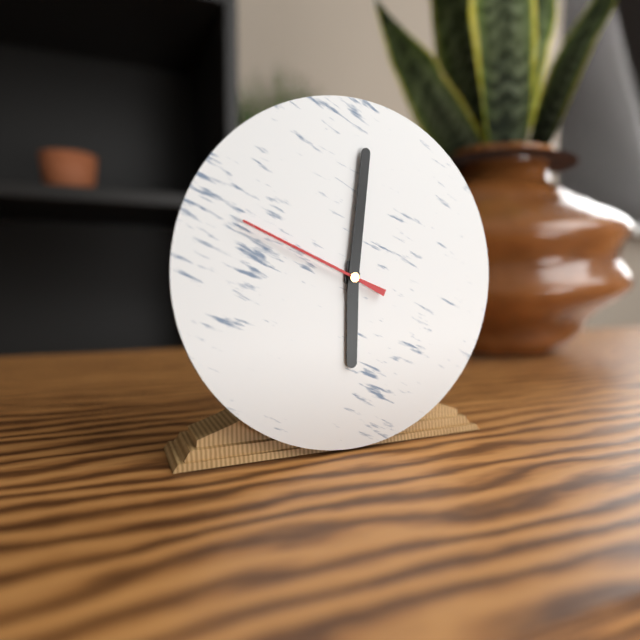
6:01:49
